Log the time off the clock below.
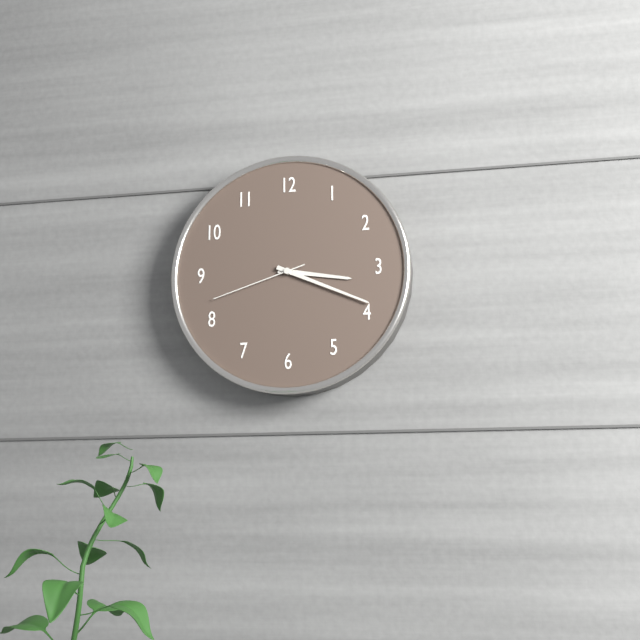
3:19:42
